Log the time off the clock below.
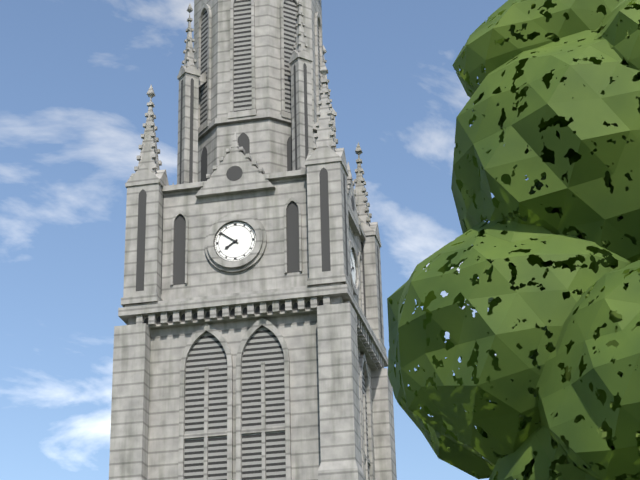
7:51
